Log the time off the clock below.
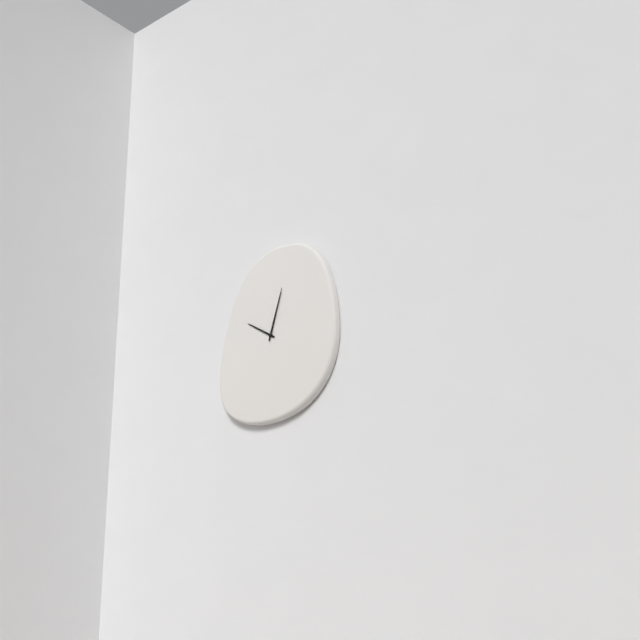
10:03
